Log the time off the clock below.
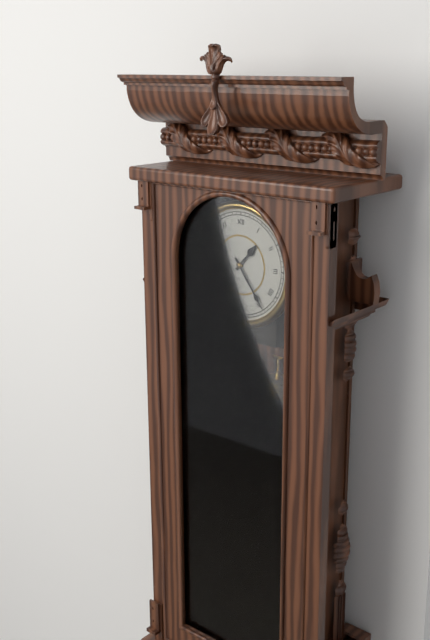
1:24
